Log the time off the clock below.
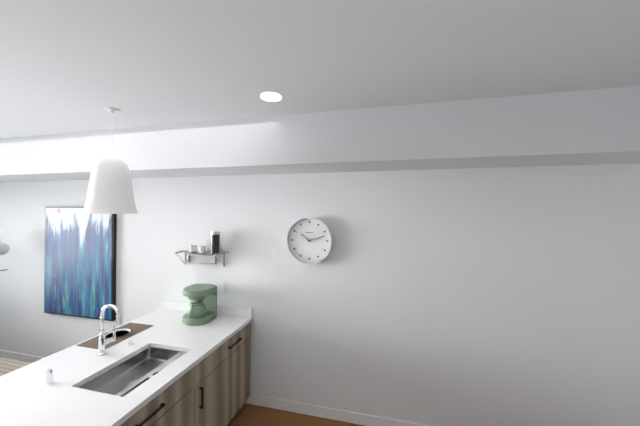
10:12
